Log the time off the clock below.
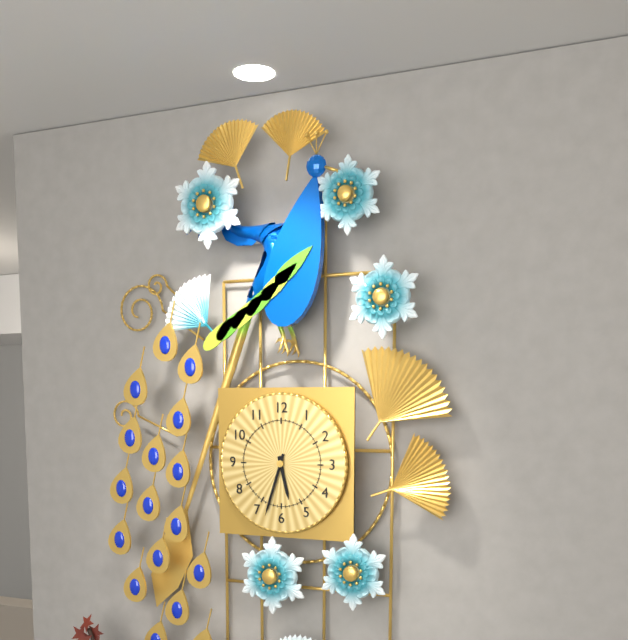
5:33
